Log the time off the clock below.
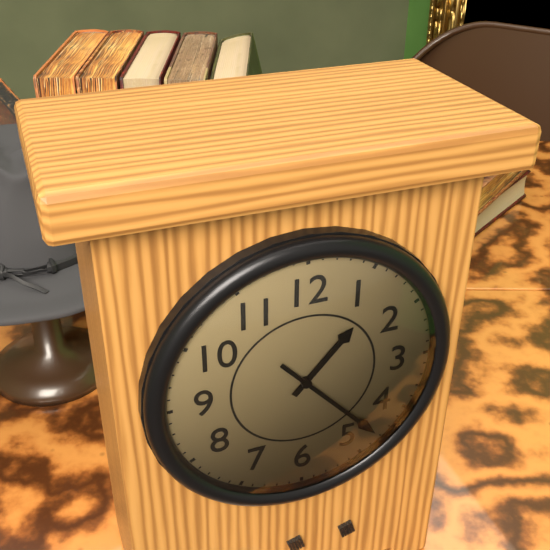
1:23
